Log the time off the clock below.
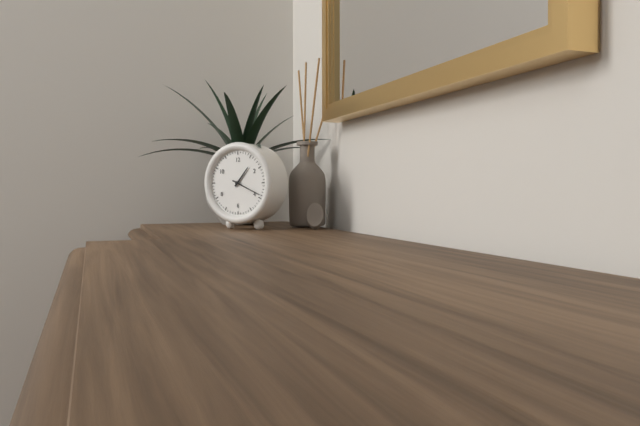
1:19
